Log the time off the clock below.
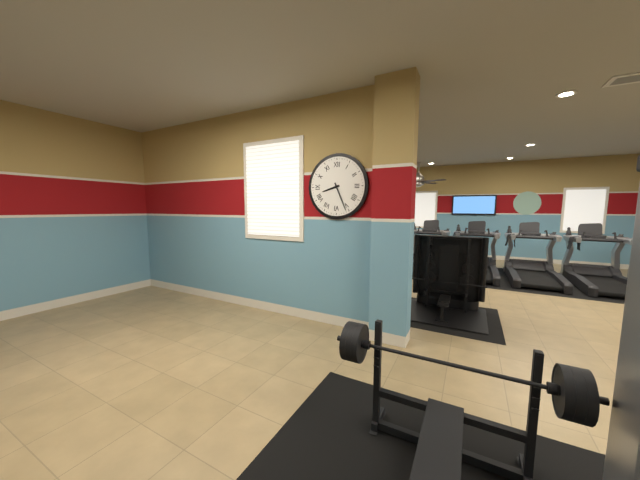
8:26
